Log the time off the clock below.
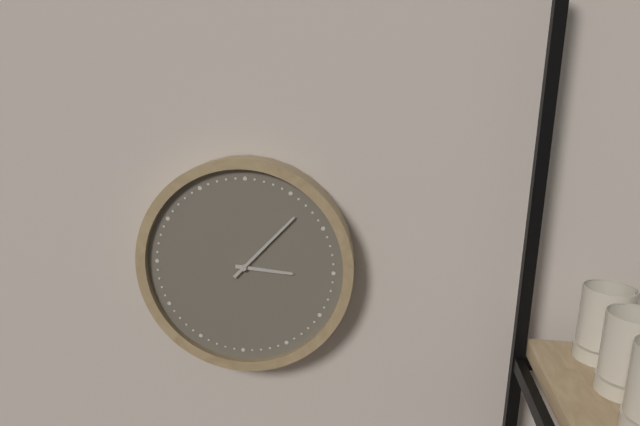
3:07
